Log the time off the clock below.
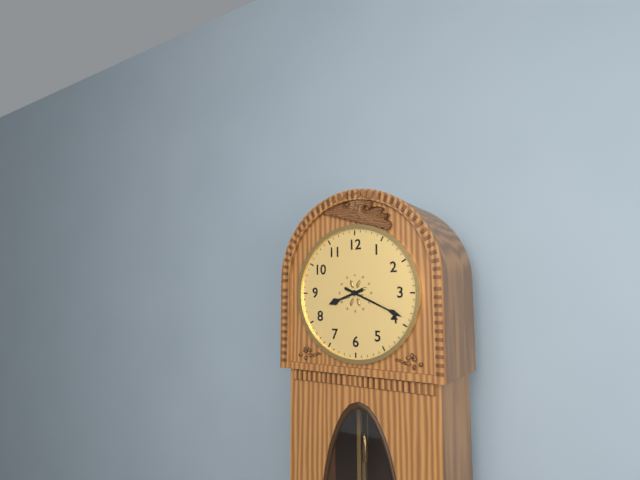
8:19
